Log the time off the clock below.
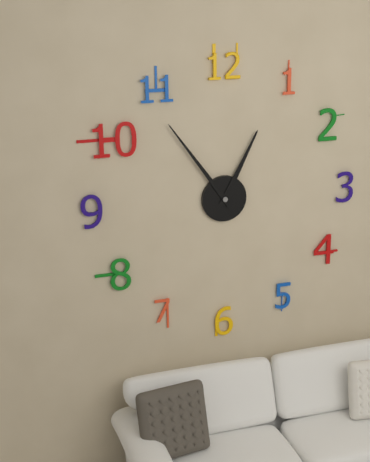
12:54
